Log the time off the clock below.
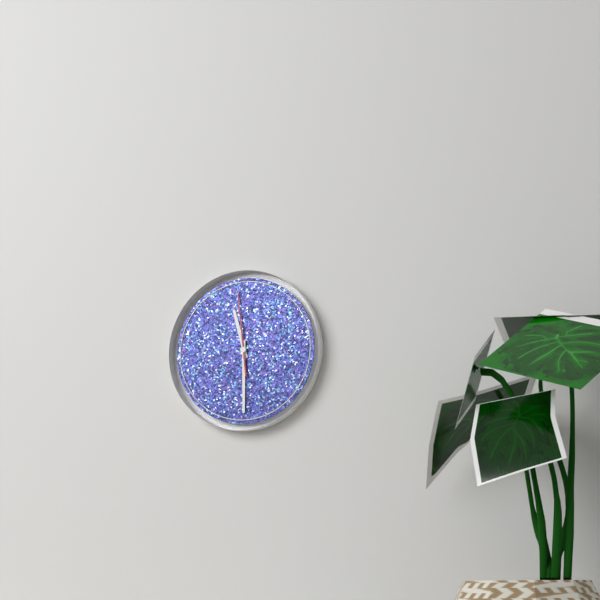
11:30:59
